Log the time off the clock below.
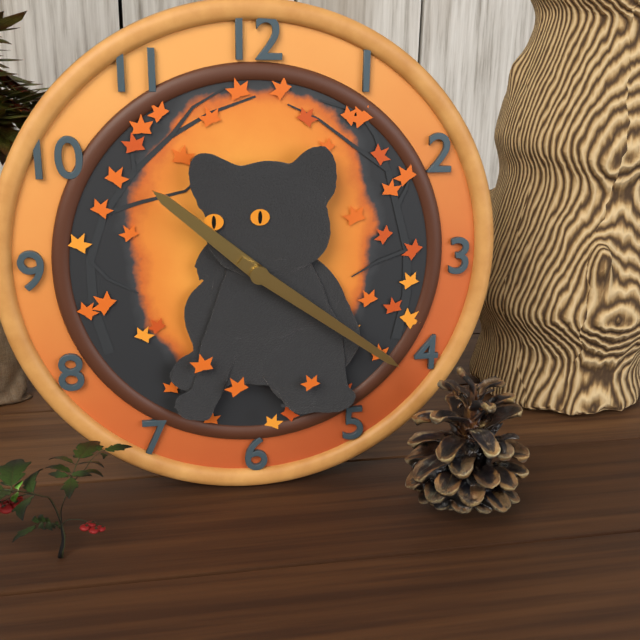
10:21
